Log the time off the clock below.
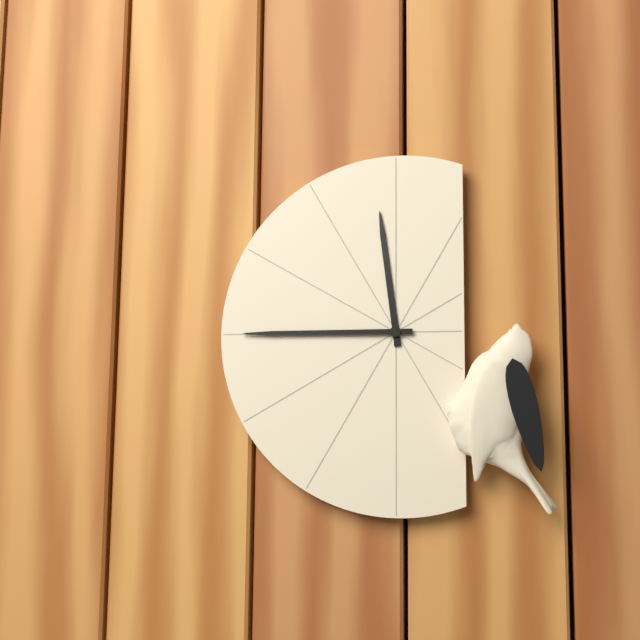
11:45
